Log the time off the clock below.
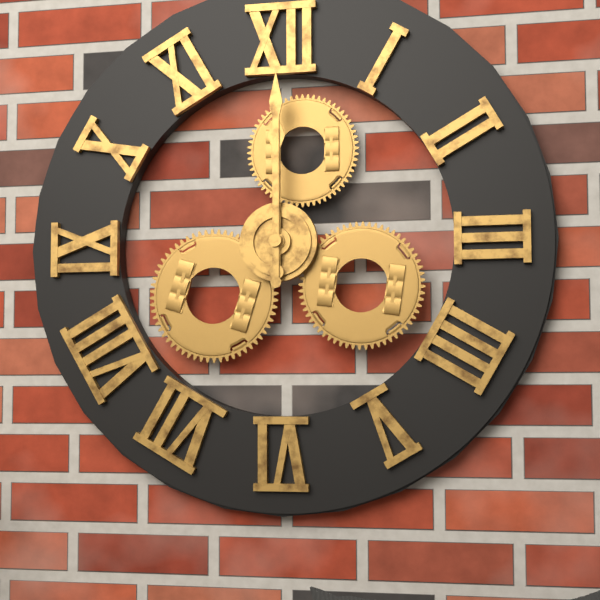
12:00
